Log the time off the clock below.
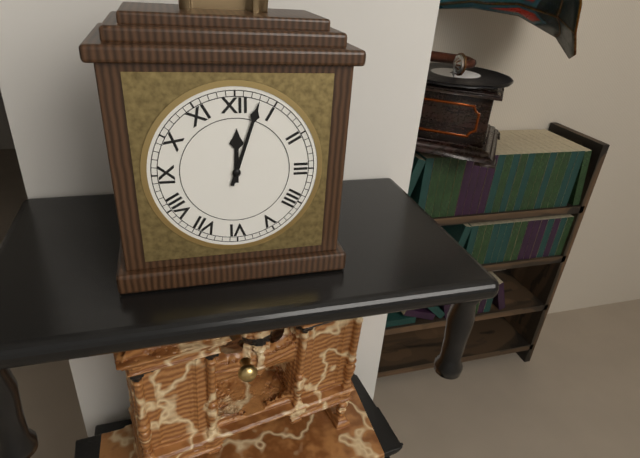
12:03
